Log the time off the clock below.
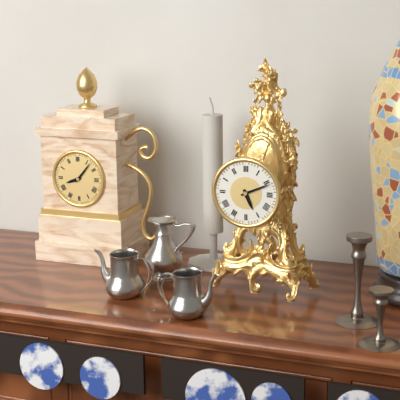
5:11
